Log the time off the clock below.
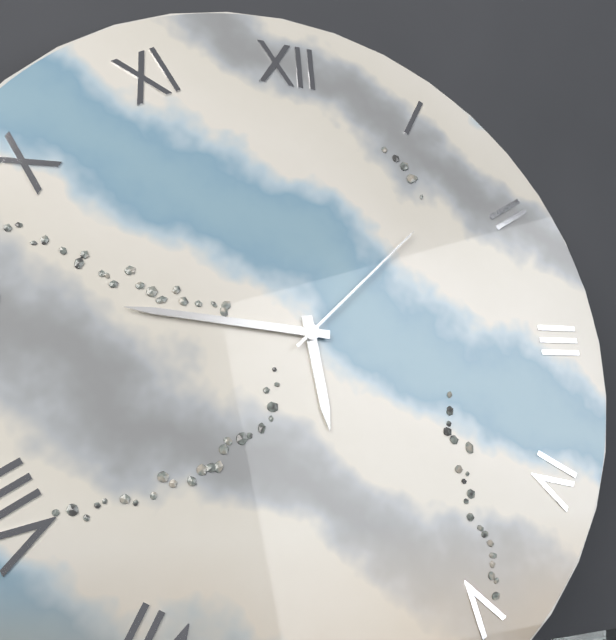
5:46:08
